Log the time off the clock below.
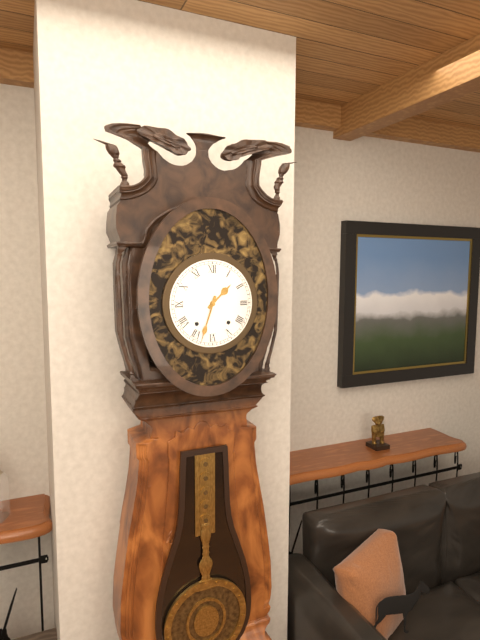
1:33
